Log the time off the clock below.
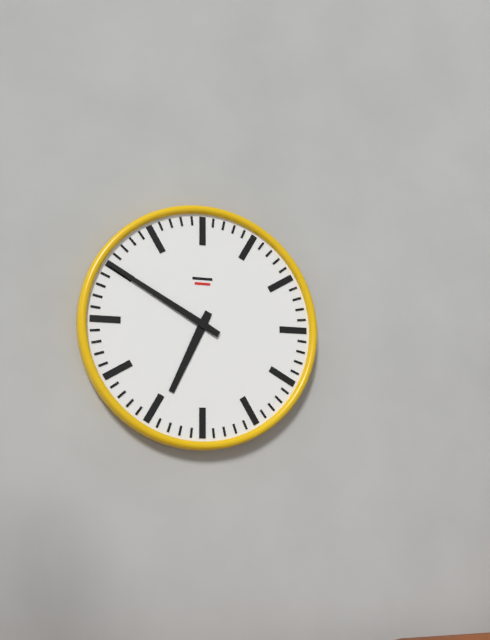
6:50
